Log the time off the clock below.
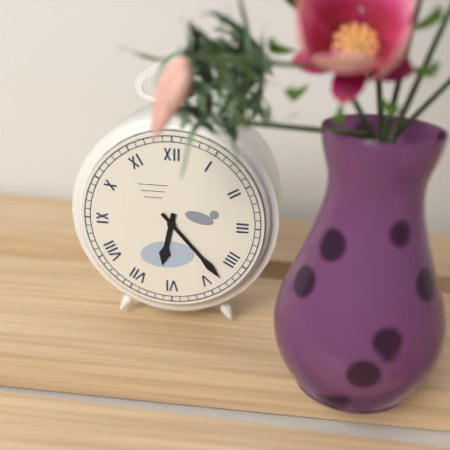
6:23
